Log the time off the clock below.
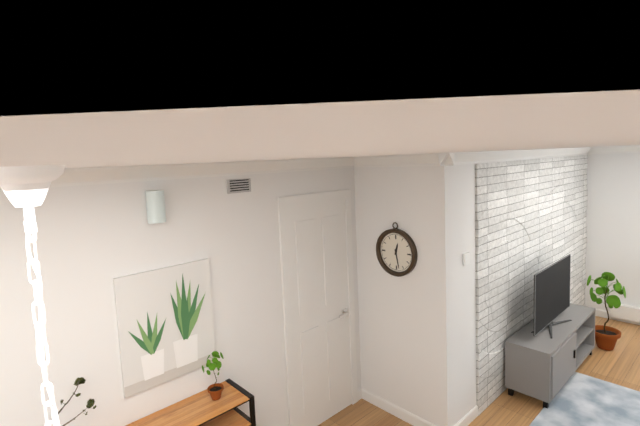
12:28
